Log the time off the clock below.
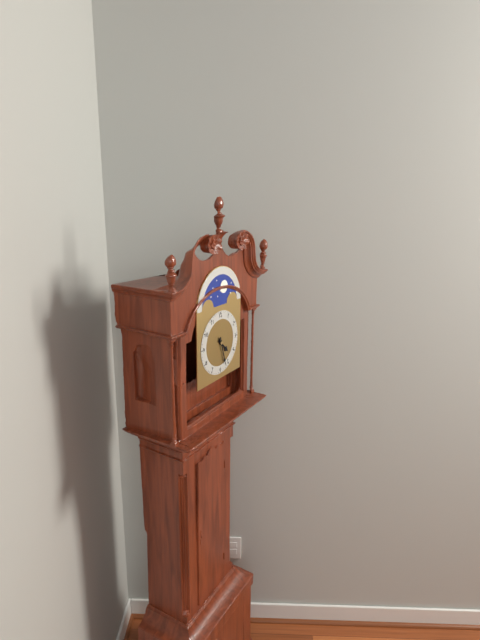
4:27
